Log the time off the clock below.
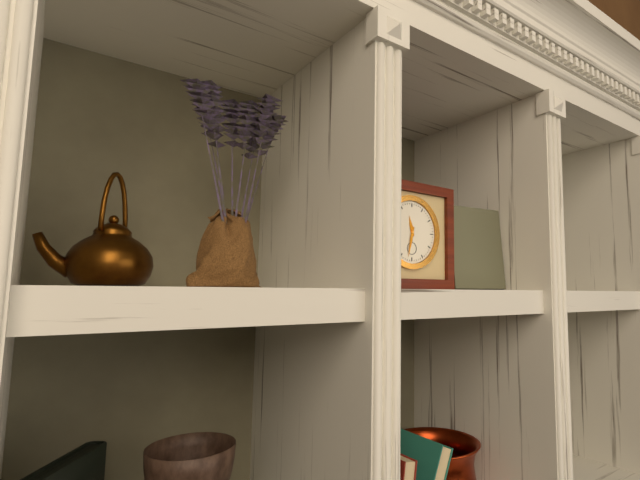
11:32
